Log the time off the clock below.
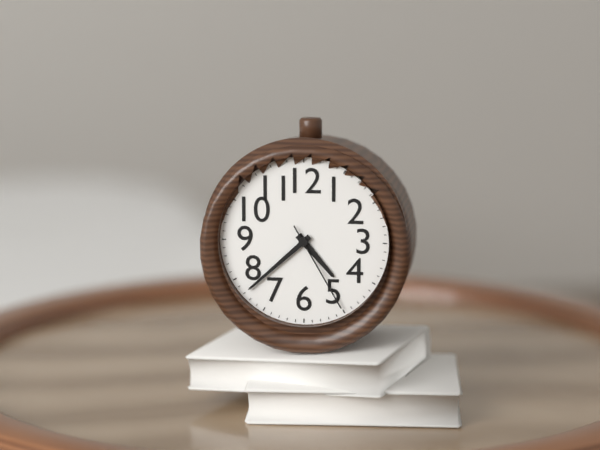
4:38:25
